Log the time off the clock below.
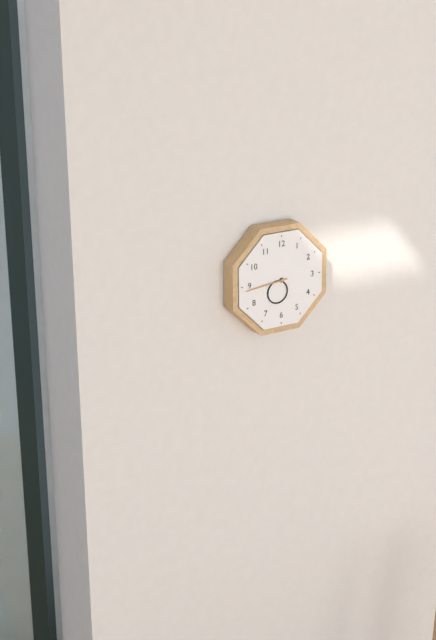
6:44
